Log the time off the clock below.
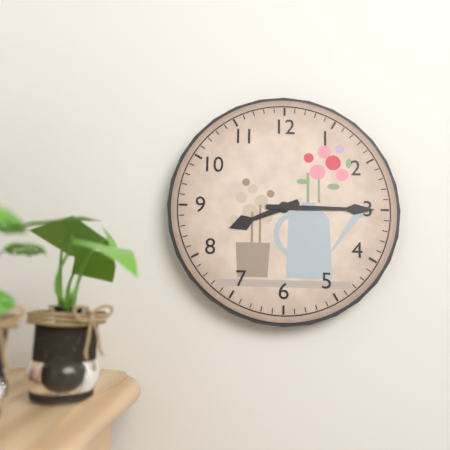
8:15
